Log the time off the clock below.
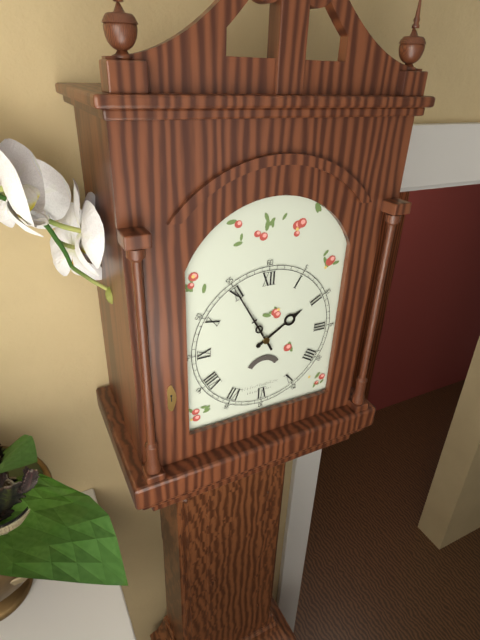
1:55
